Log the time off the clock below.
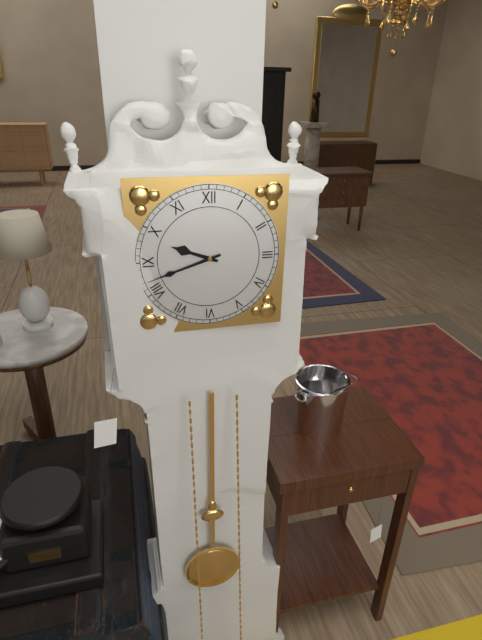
9:42
